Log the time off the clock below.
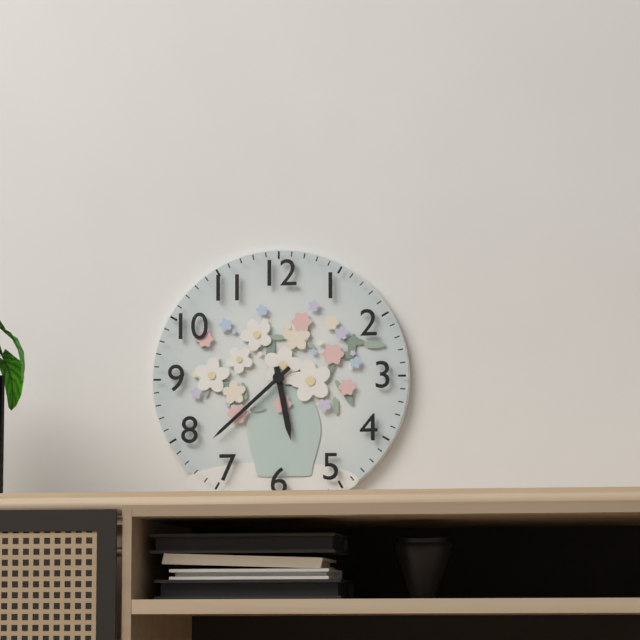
5:38
